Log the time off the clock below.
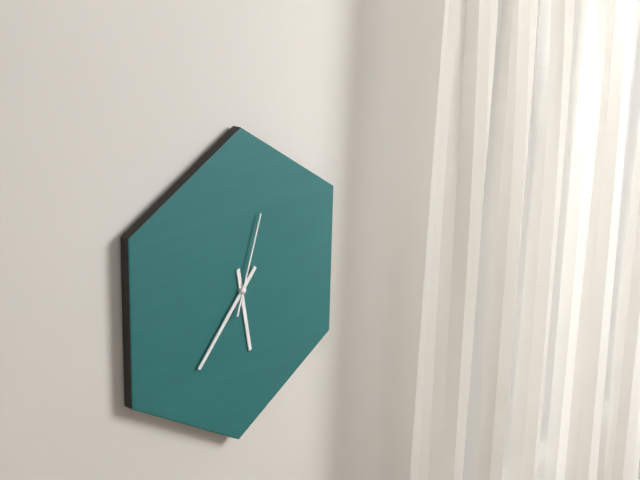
5:37:03
